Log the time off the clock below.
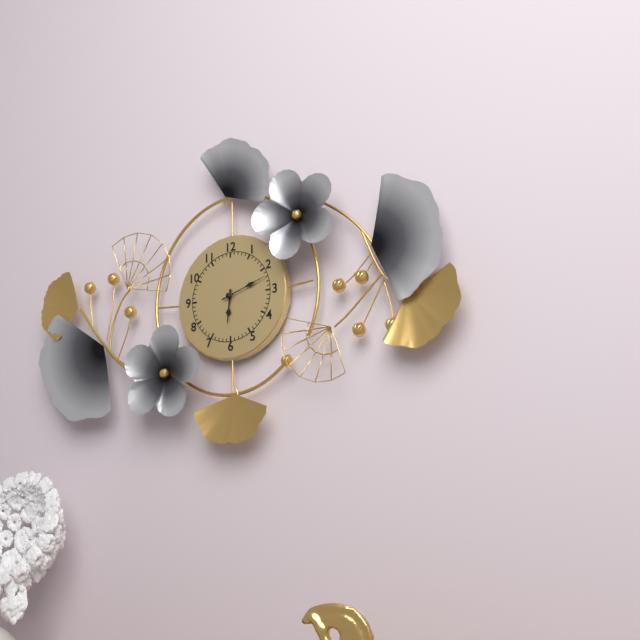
6:12
